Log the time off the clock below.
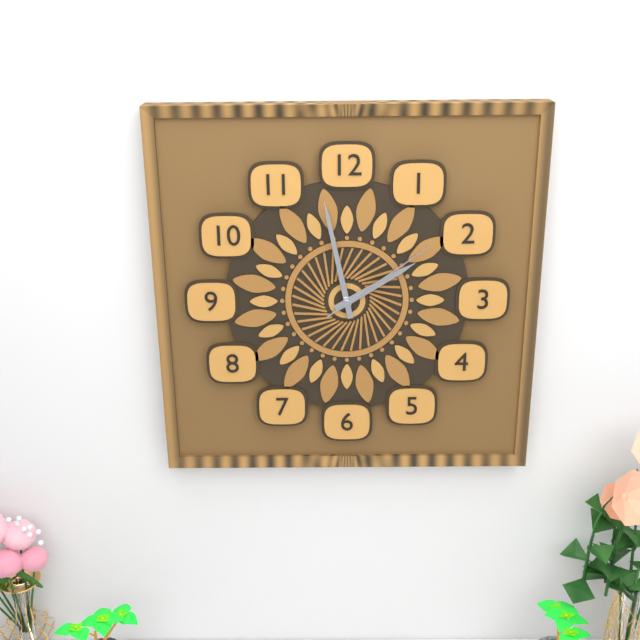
1:58:09
